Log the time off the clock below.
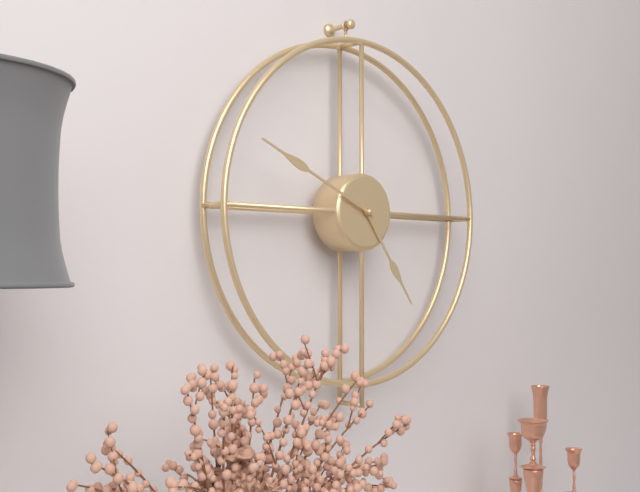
4:49
